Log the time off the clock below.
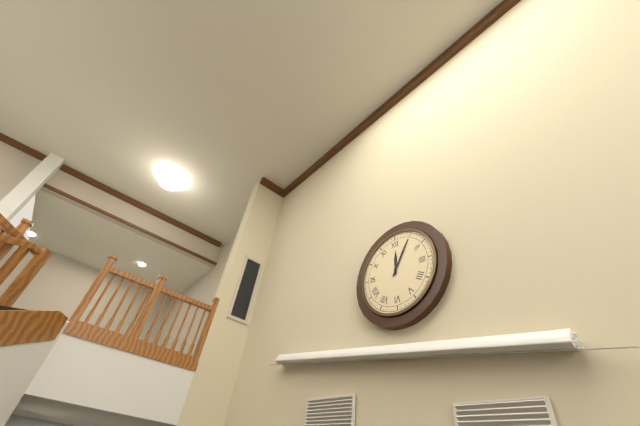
12:05
